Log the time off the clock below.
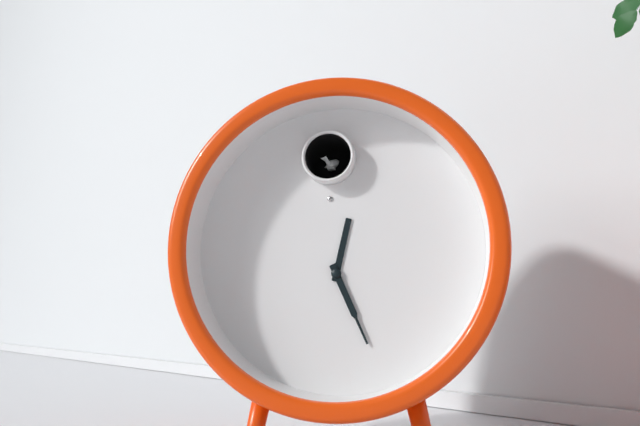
12:26
